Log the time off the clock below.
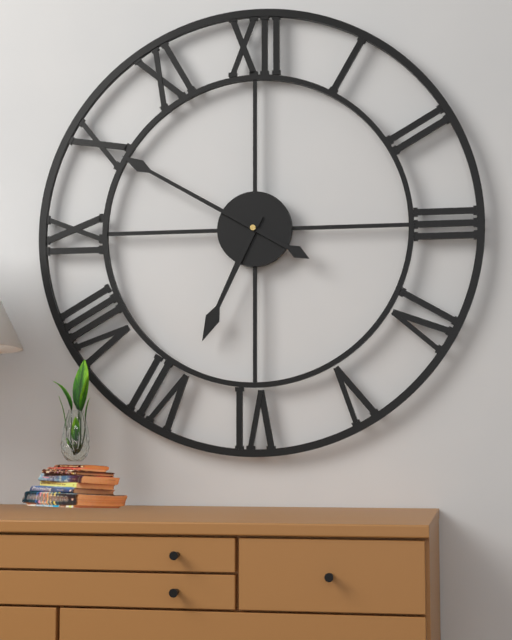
6:50
